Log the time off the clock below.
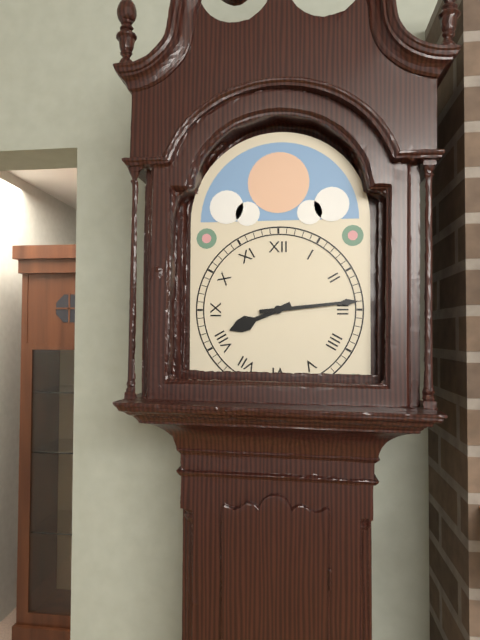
8:14
